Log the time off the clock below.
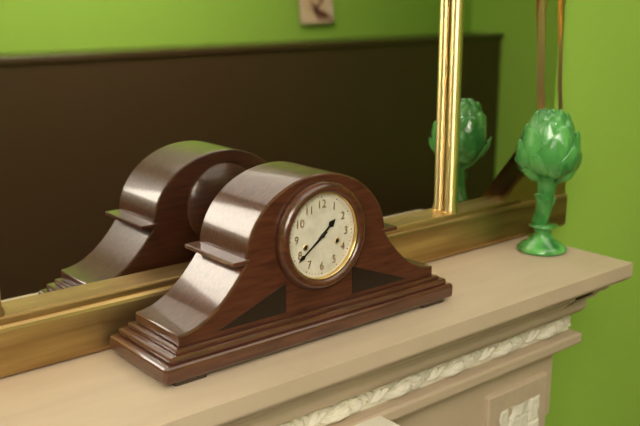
1:39
